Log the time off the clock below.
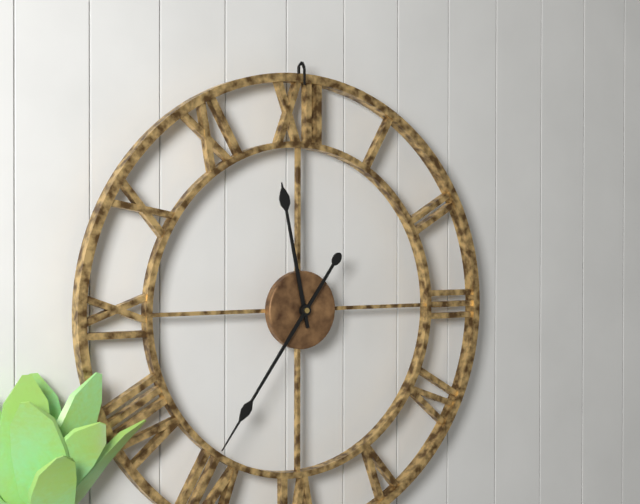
11:36
